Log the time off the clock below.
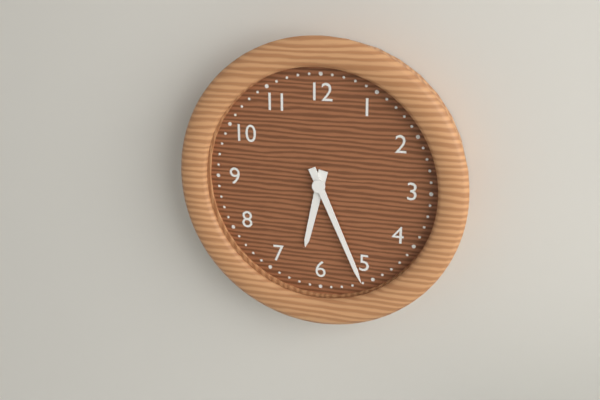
6:26
